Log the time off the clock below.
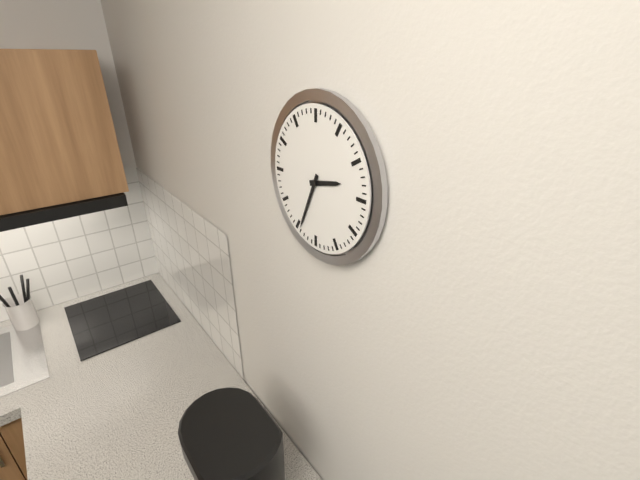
2:34
